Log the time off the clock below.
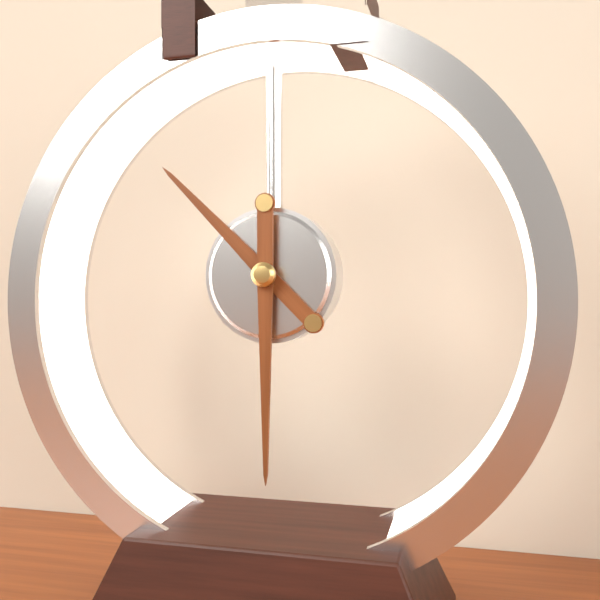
10:30
